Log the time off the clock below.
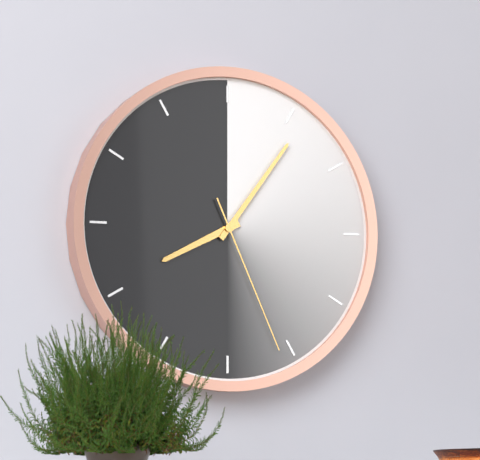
8:06:26
